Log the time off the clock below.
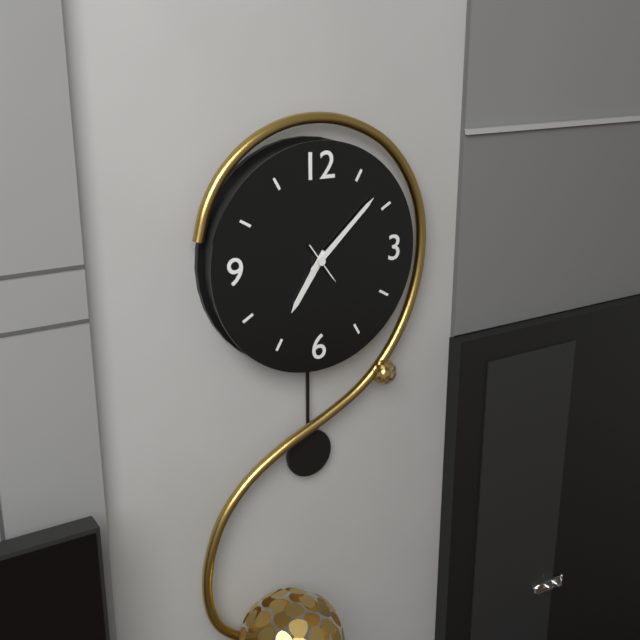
7:08
